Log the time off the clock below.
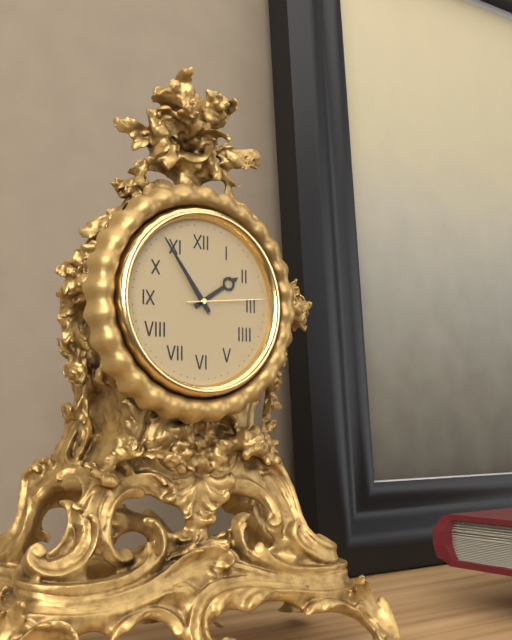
1:54:14
